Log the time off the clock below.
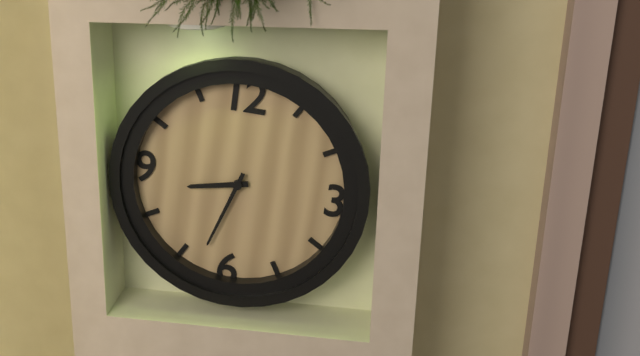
8:33
